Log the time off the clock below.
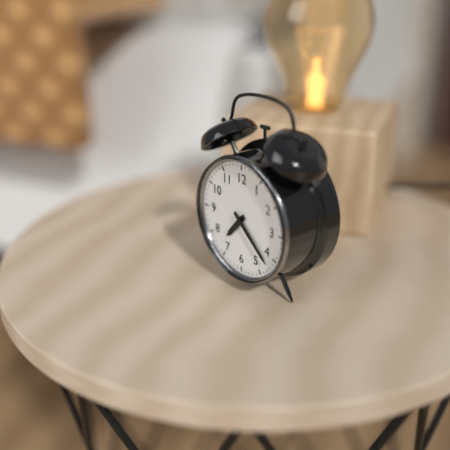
7:22
